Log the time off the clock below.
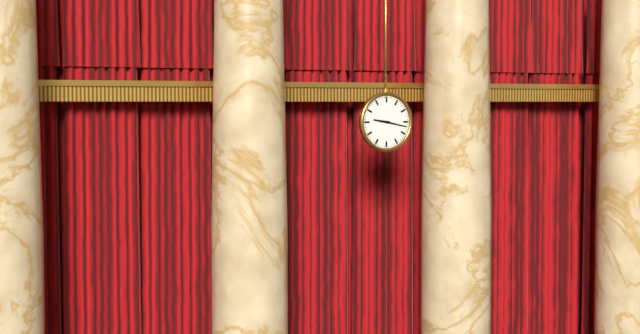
9:17
